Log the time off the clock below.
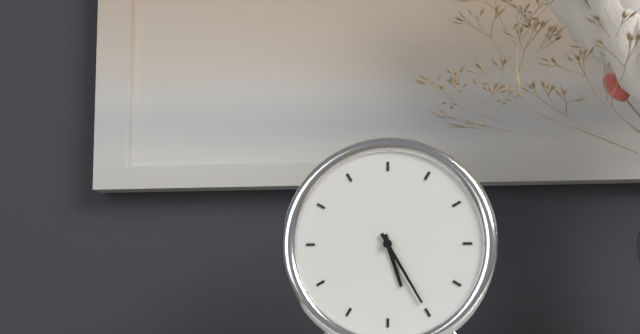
5:25
